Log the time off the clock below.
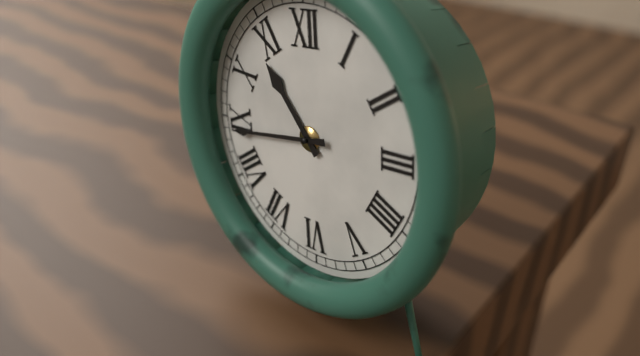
10:44
